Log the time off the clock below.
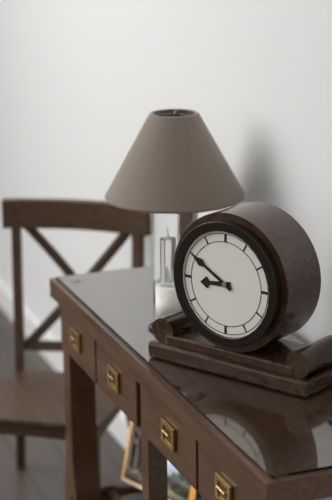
8:50
